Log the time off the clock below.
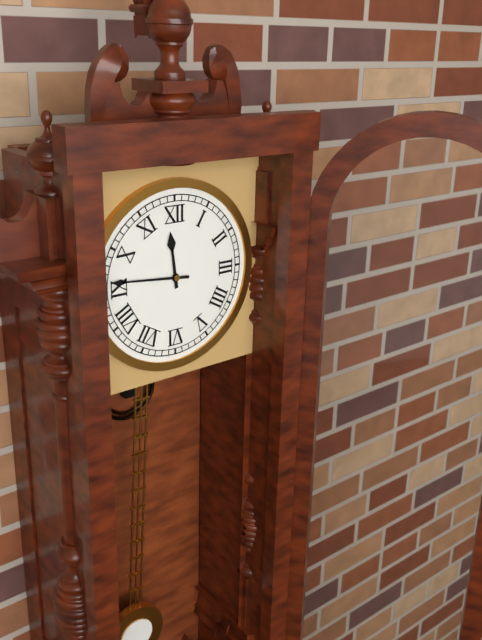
11:46
